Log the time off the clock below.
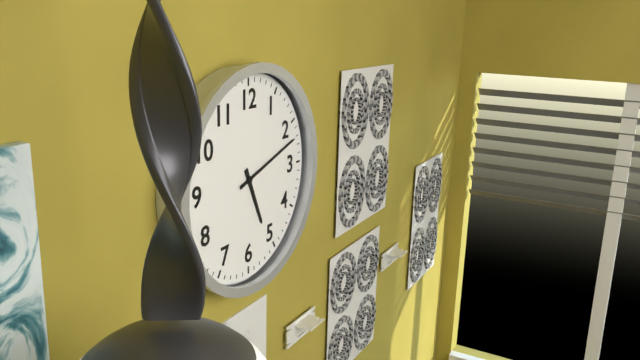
5:12
